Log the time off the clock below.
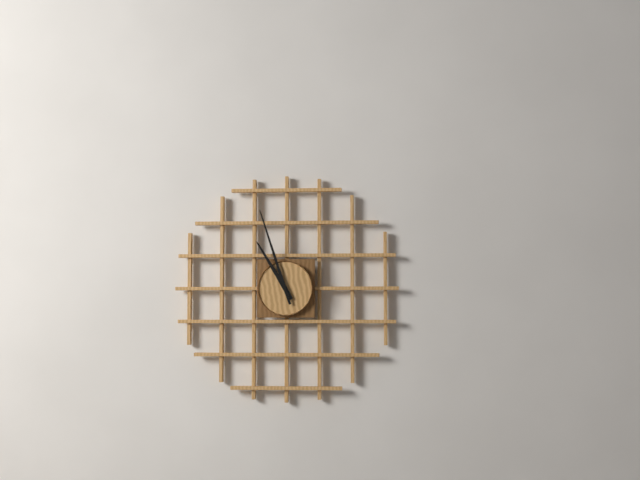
10:57
